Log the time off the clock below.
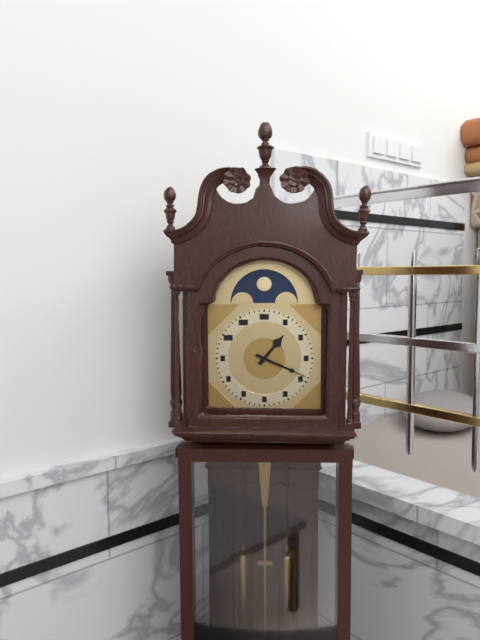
1:19
